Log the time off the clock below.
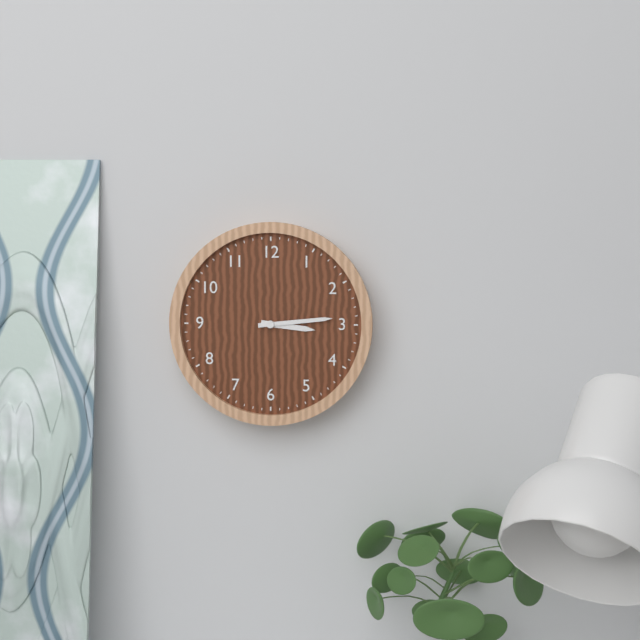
3:14
